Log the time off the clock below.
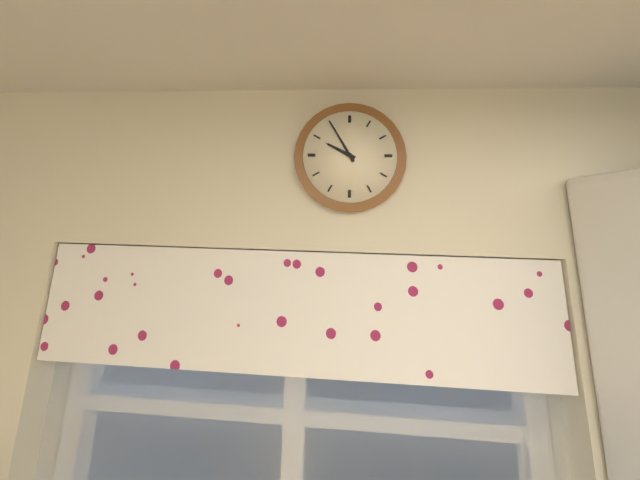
9:55
